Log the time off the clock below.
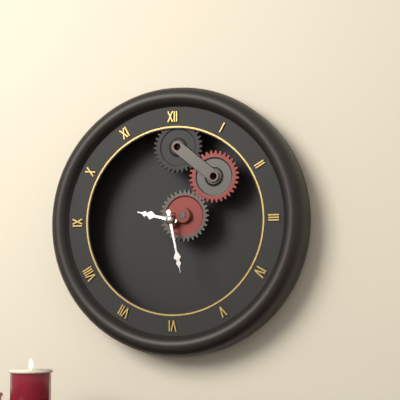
9:28
